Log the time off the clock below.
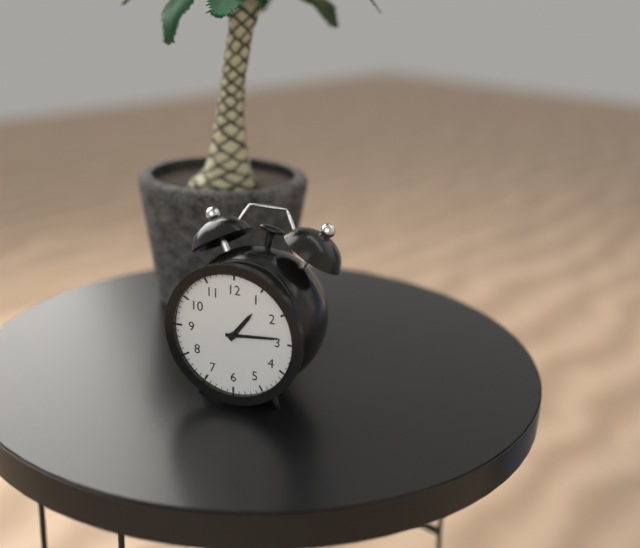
1:14
